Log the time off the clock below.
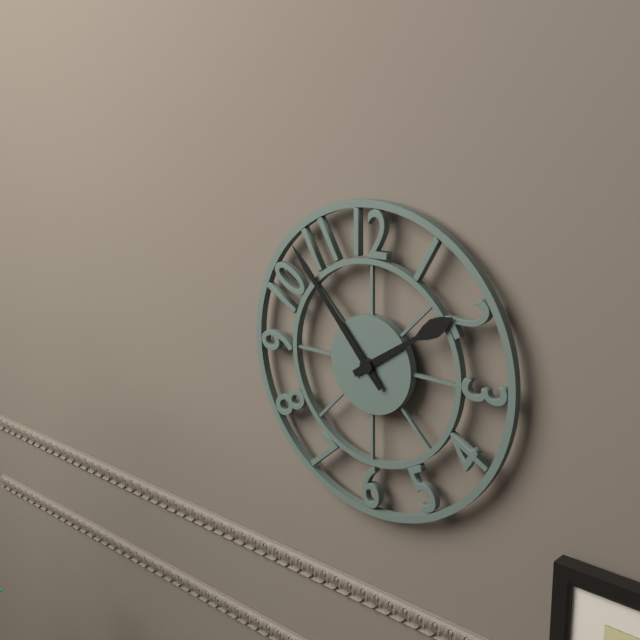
1:53
